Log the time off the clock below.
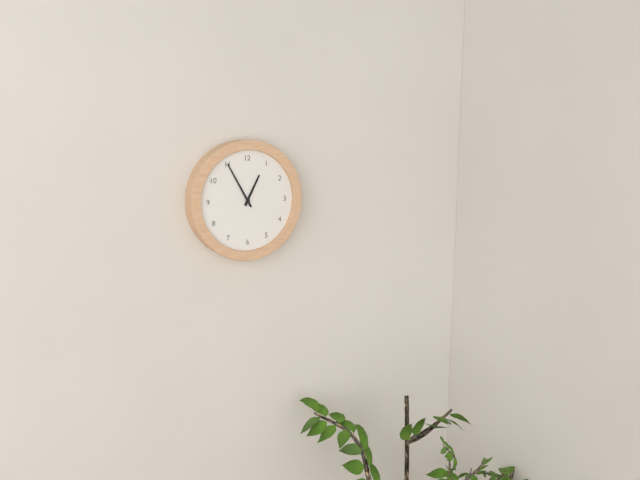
12:55
